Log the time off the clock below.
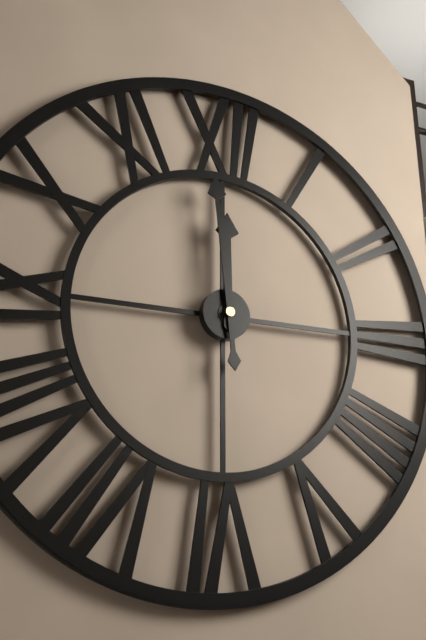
11:59
